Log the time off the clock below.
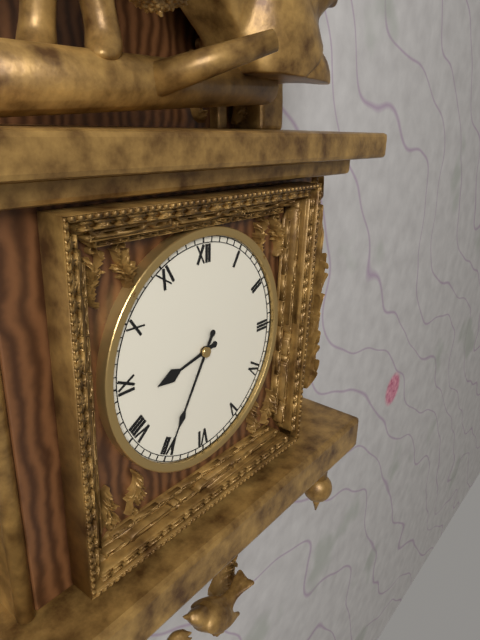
8:35
